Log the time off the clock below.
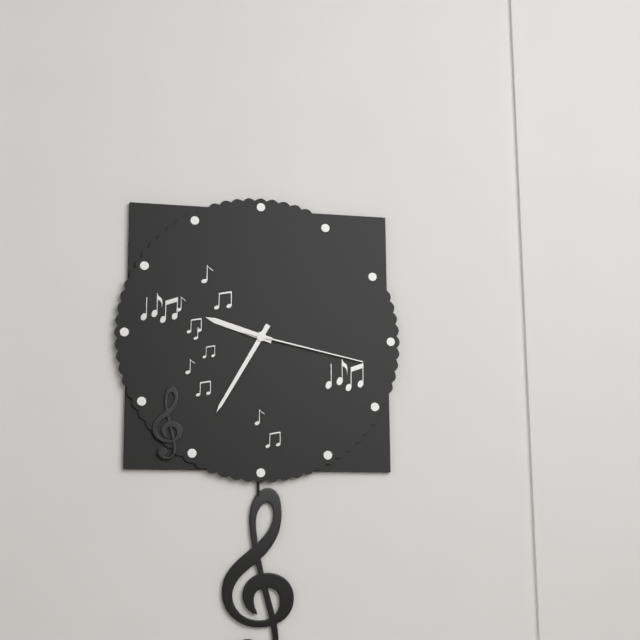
9:35:17
